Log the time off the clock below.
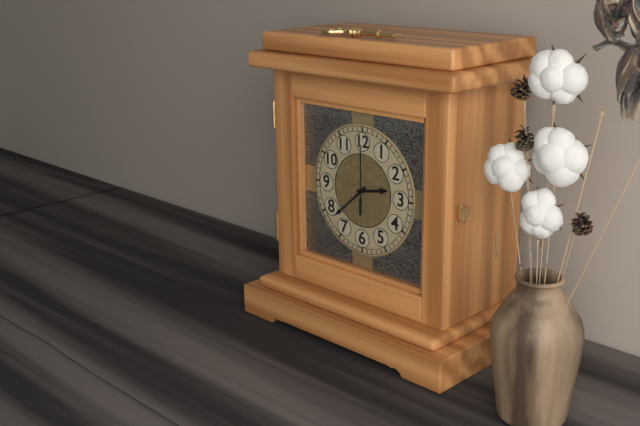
2:38:00
